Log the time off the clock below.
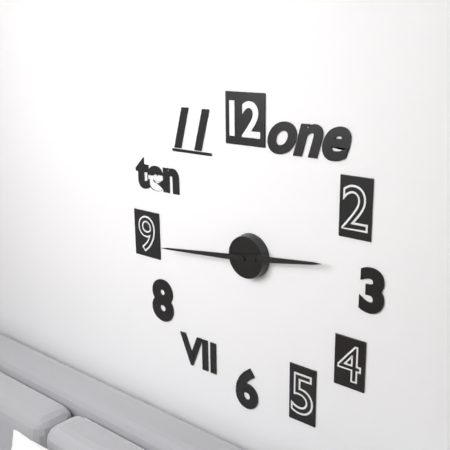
2:44
